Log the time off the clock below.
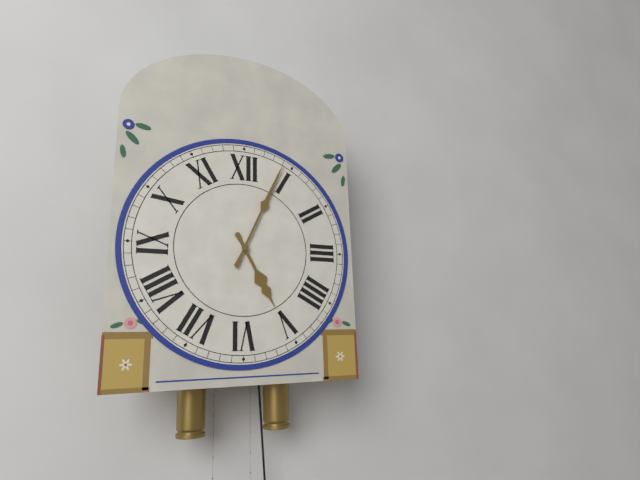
5:04
